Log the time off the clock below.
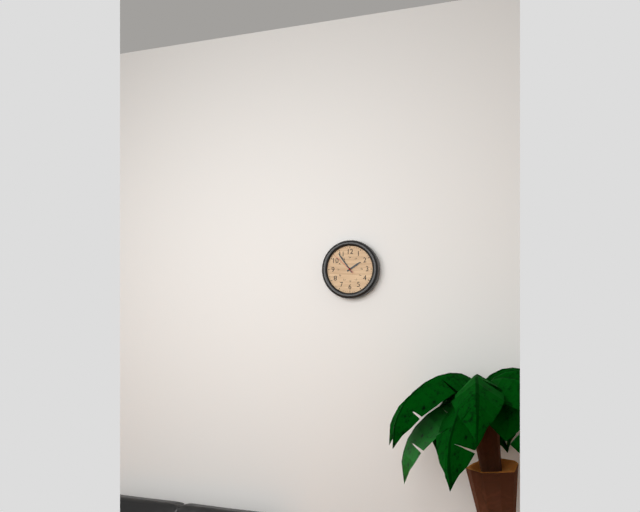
1:54
